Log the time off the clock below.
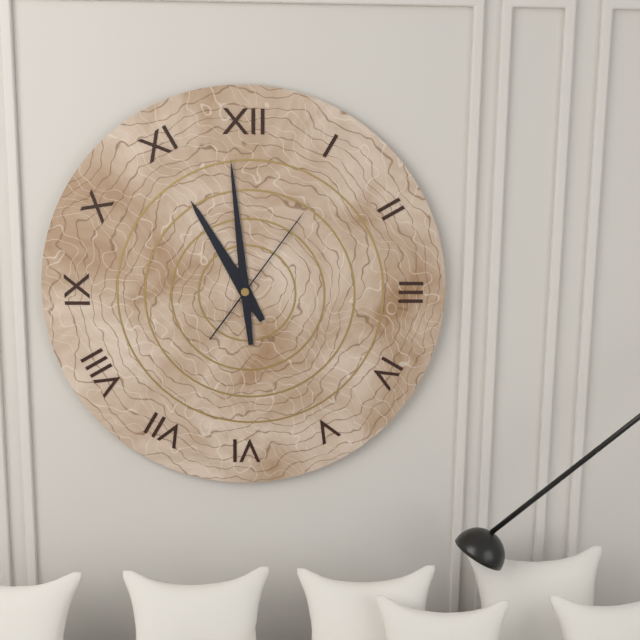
10:59:06
